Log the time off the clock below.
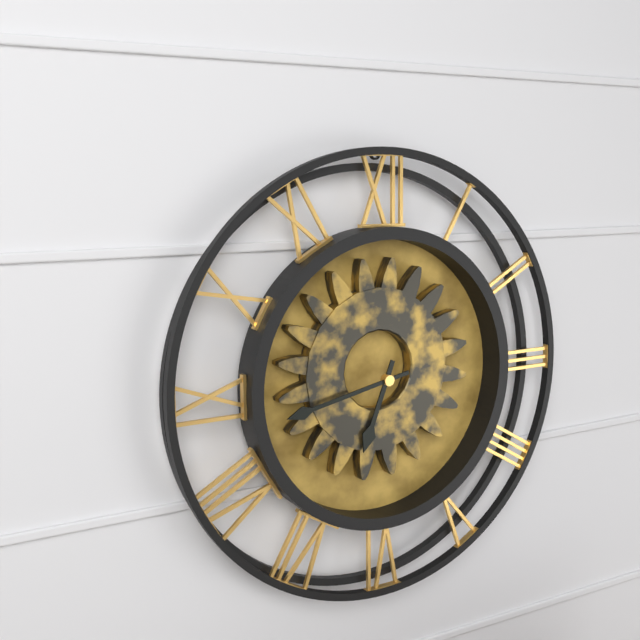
6:43
